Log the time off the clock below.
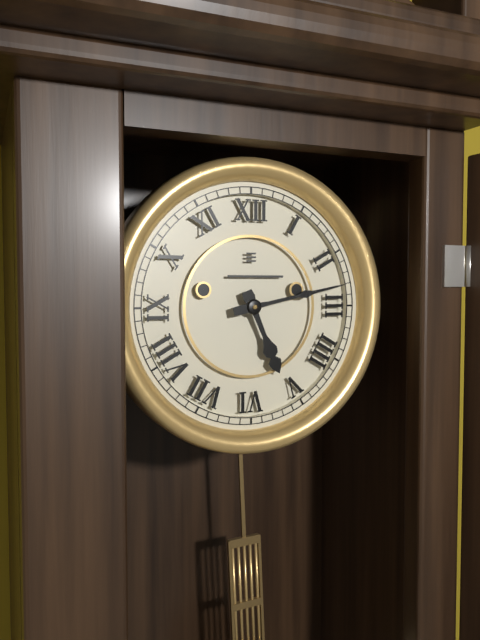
5:13
